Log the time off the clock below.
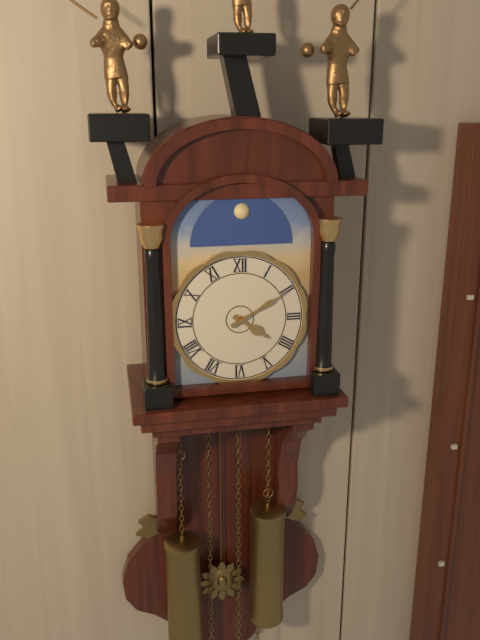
4:10
